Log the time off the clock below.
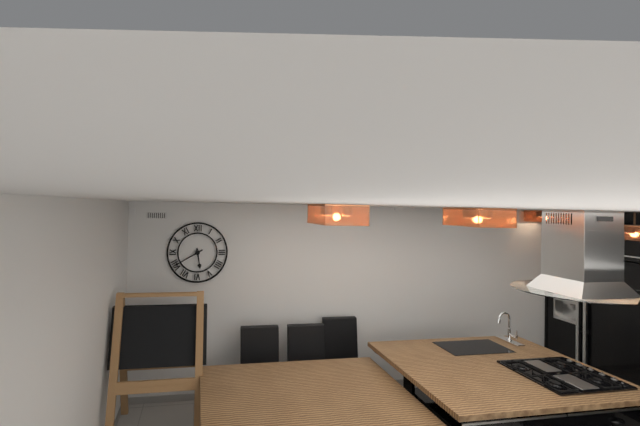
5:40
